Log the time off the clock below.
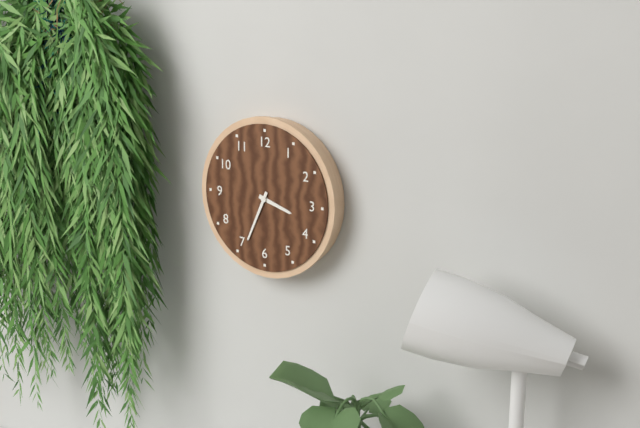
3:34
